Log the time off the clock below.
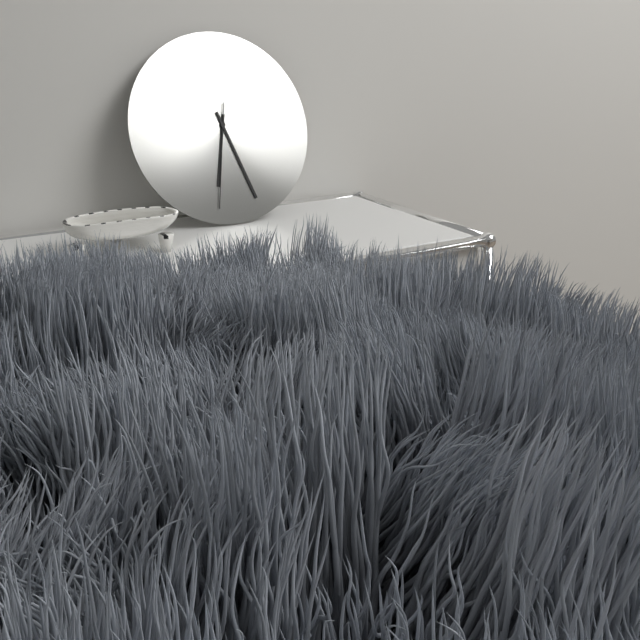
6:27:32
